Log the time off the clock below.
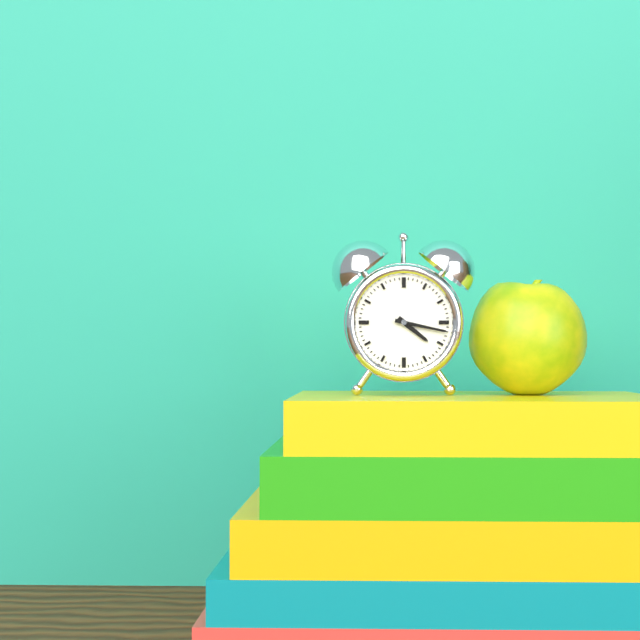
4:17
